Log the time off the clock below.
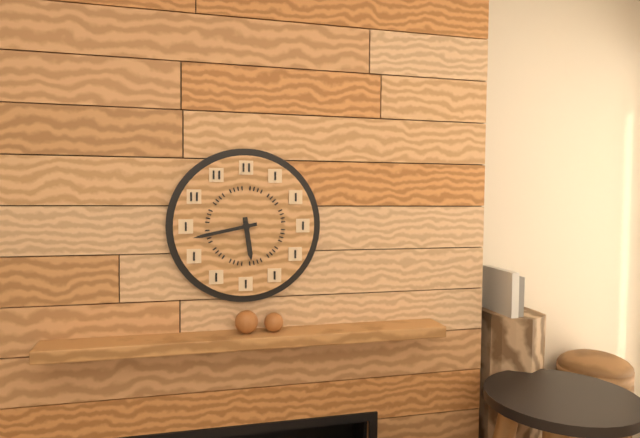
5:43
